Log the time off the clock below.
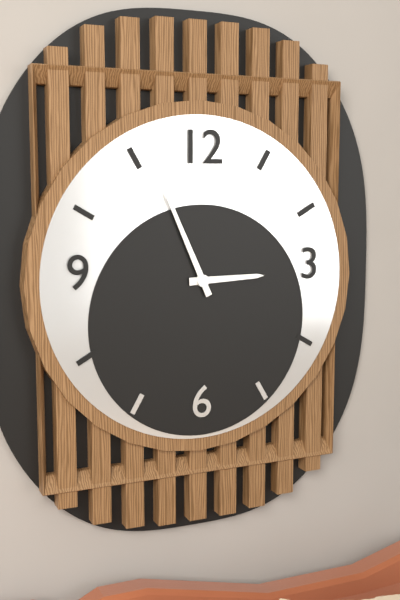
2:56
